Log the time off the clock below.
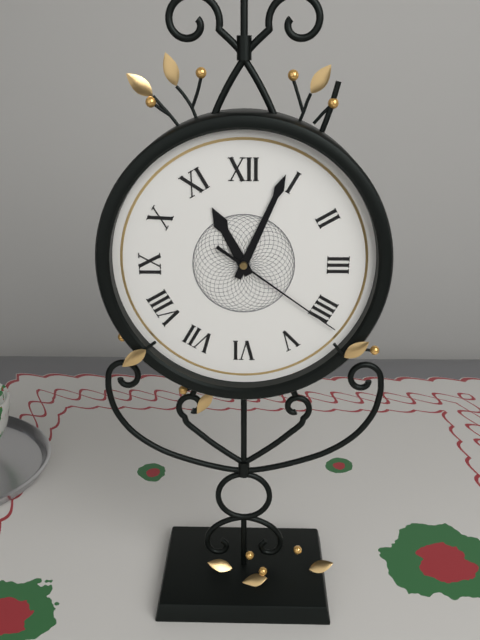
11:04:21
